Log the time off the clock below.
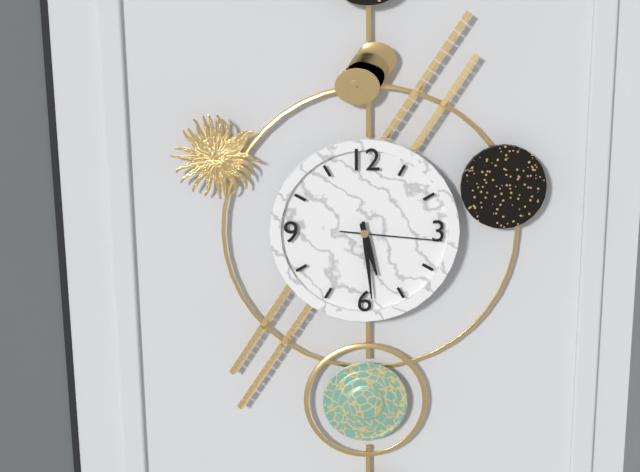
5:29:16
